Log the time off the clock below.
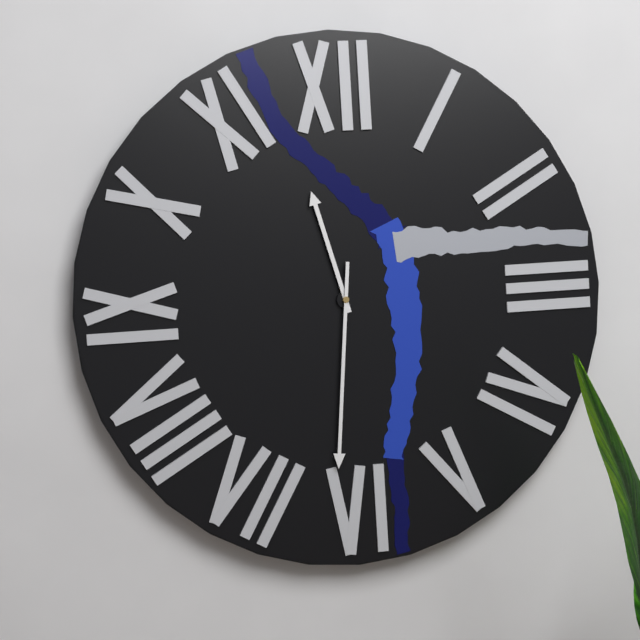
11:31
